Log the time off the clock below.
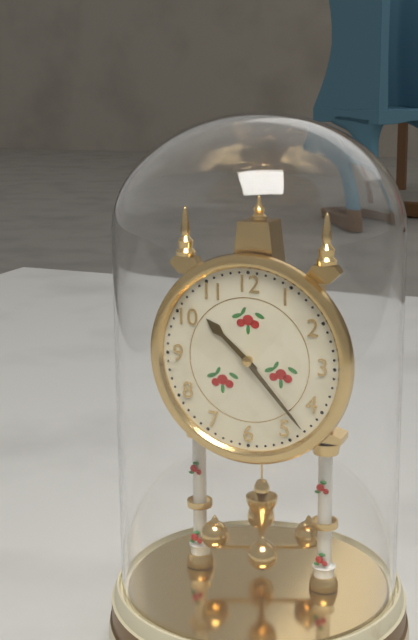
10:23
